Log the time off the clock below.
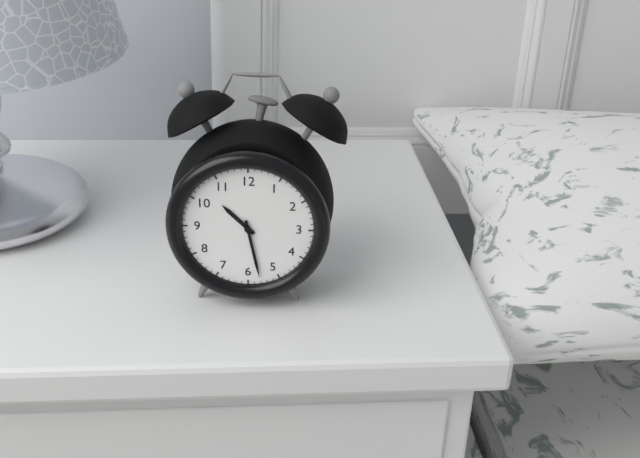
10:28
